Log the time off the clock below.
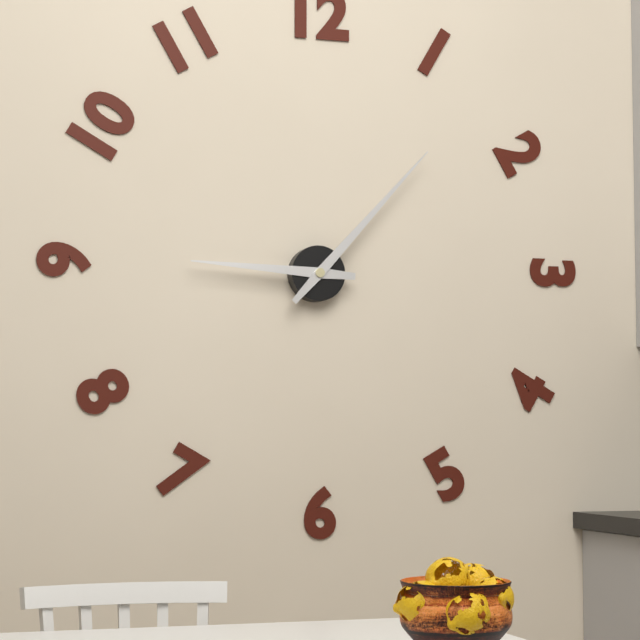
9:07
